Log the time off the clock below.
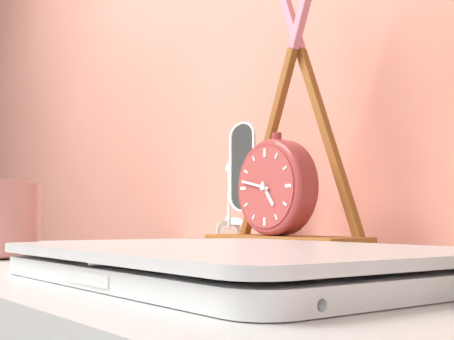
4:47
